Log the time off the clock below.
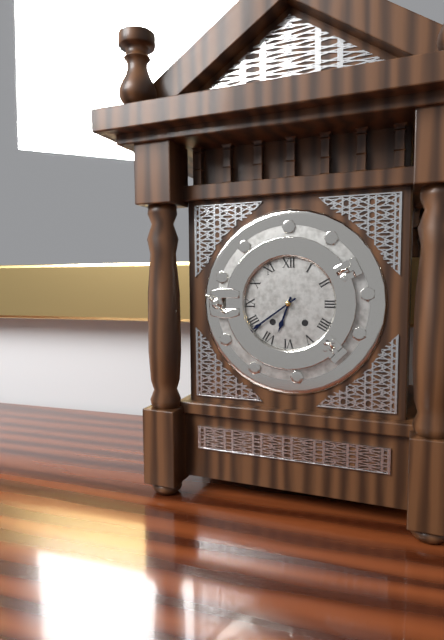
6:39
